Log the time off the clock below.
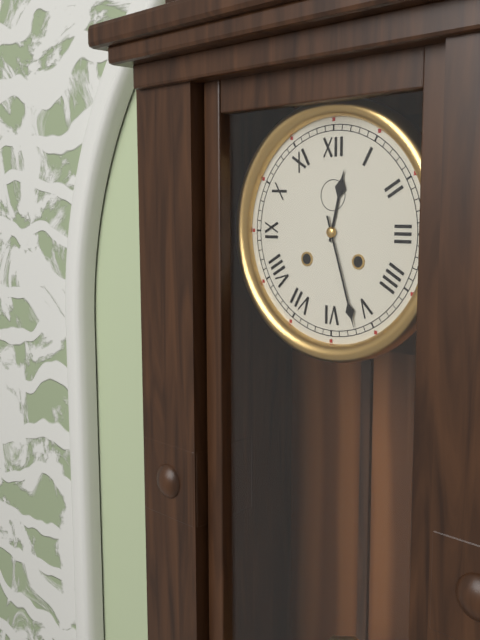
12:27
